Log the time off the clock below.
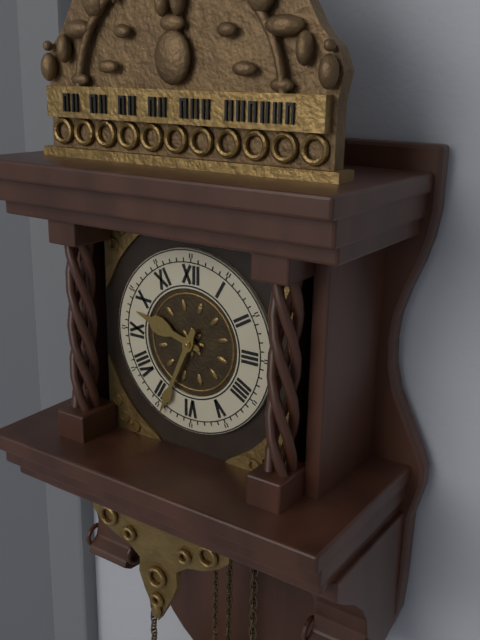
9:34
